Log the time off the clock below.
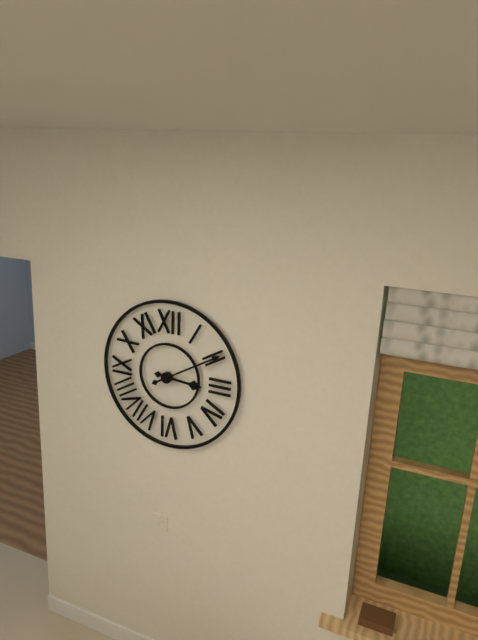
3:10
